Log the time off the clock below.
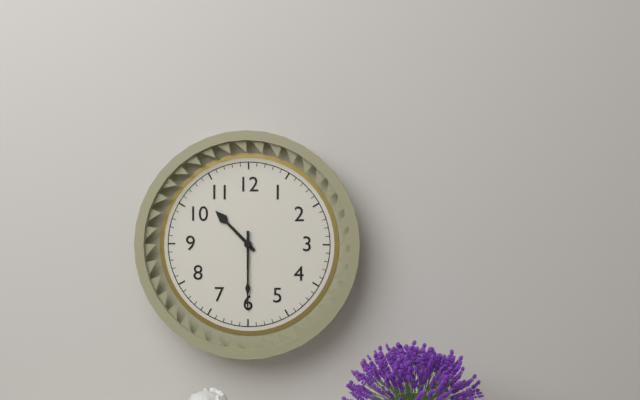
10:30
